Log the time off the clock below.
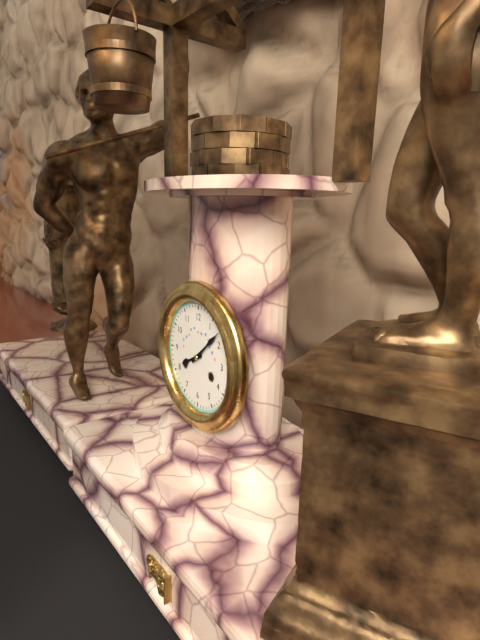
8:08
